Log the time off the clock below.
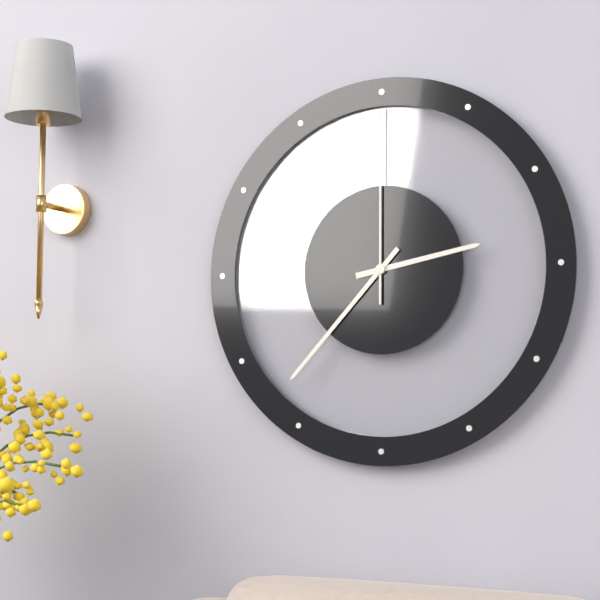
2:37:00
